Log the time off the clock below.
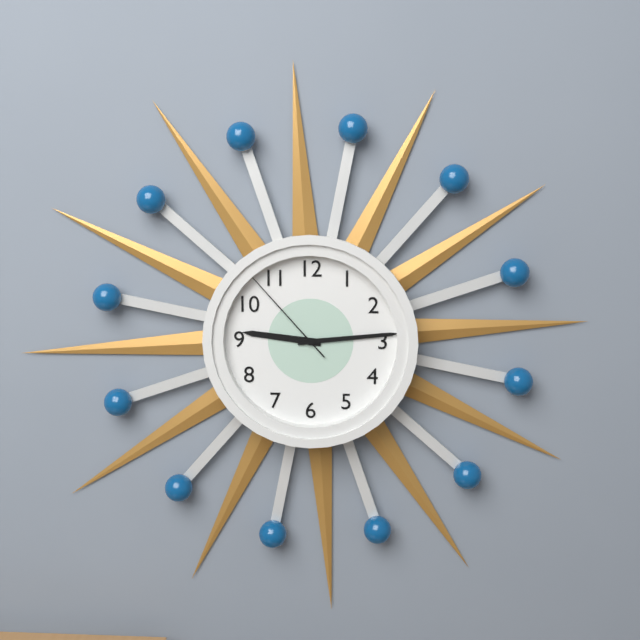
9:14:53
